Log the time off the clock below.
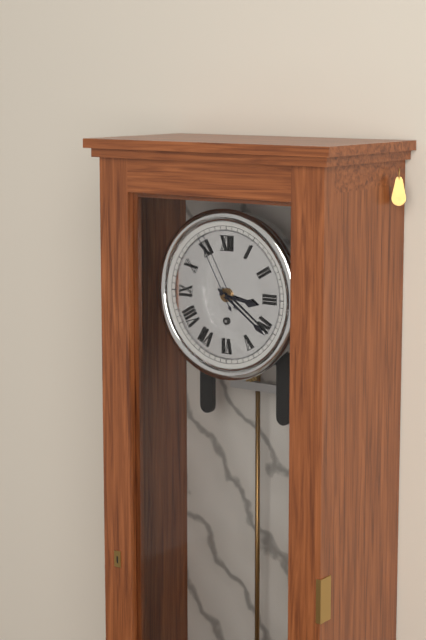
3:21:55
